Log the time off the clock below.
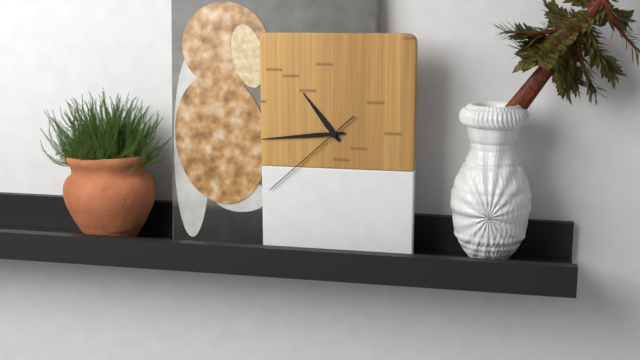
10:44:38
